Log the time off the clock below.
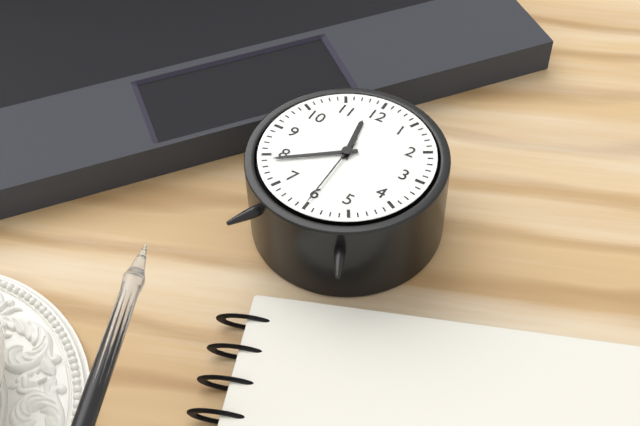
11:39:30
